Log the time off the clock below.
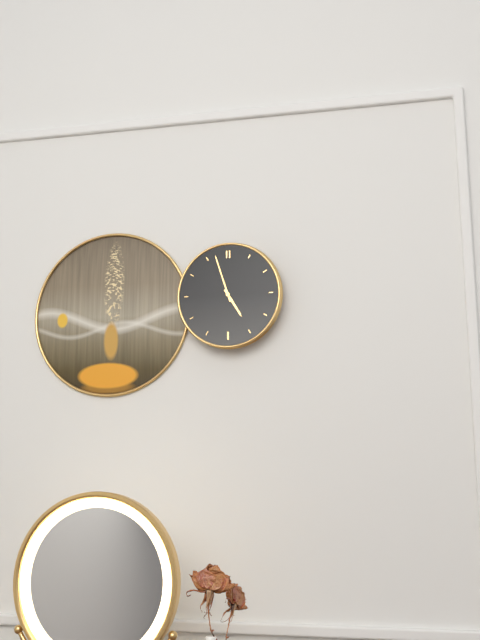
4:57
